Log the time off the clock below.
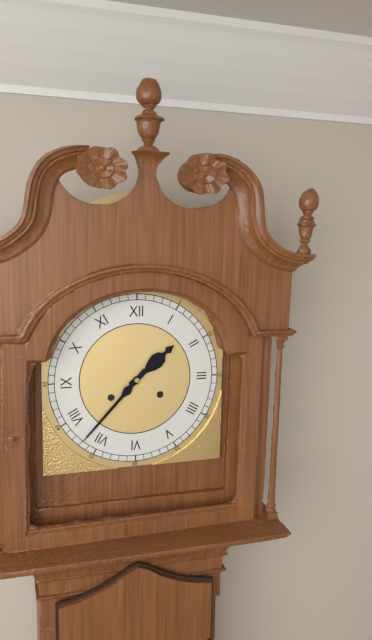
1:37
